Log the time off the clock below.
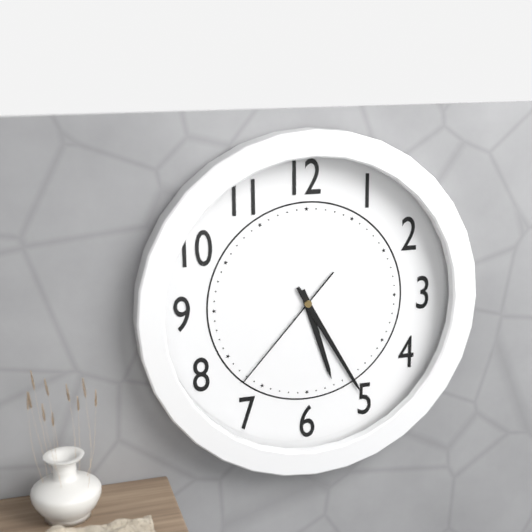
5:25:37
